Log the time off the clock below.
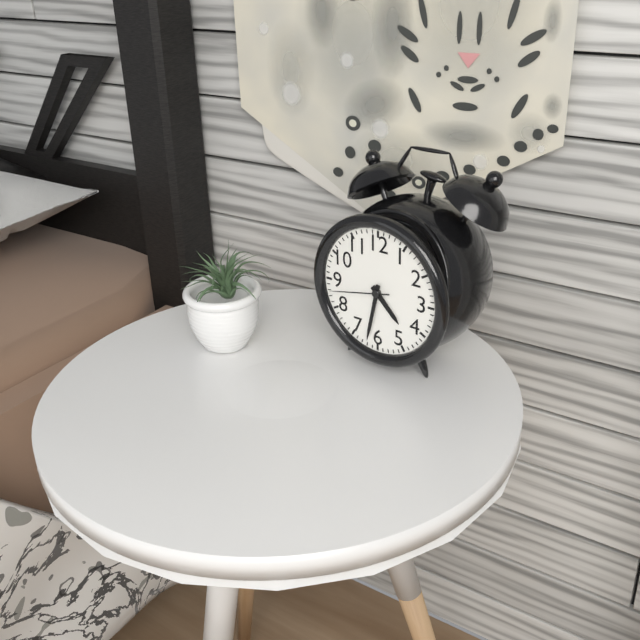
4:32:43
